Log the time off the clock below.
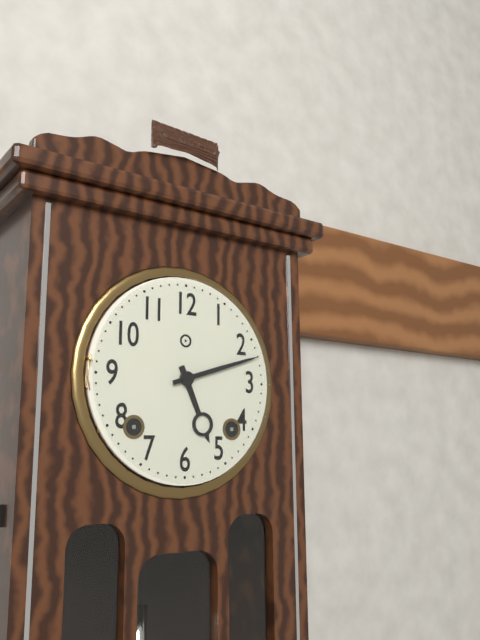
5:12
